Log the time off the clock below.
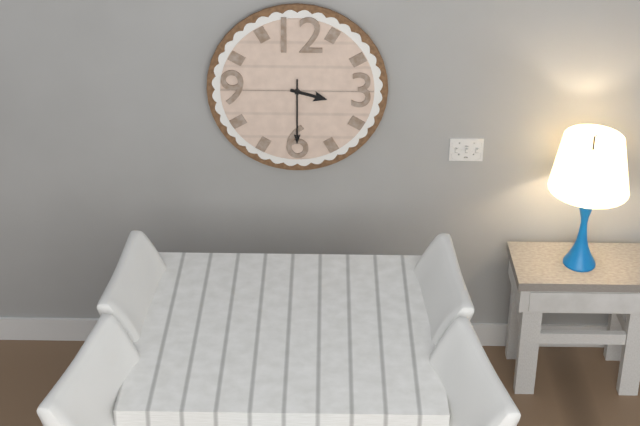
3:30
